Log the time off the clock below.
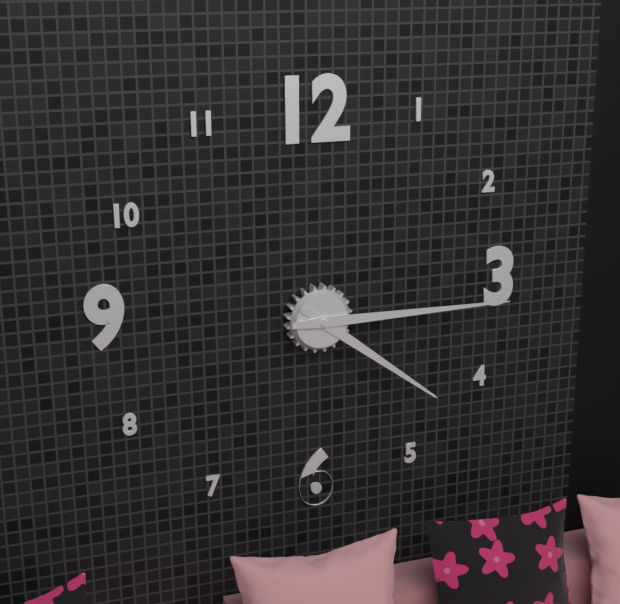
4:15
